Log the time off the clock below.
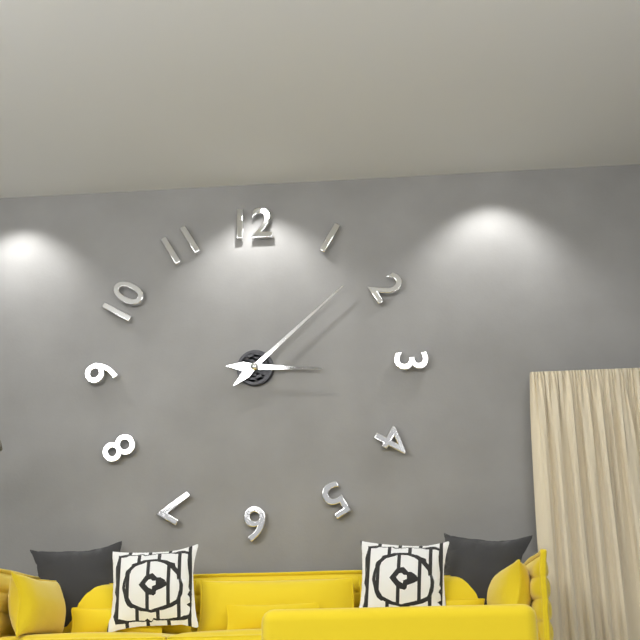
3:08
